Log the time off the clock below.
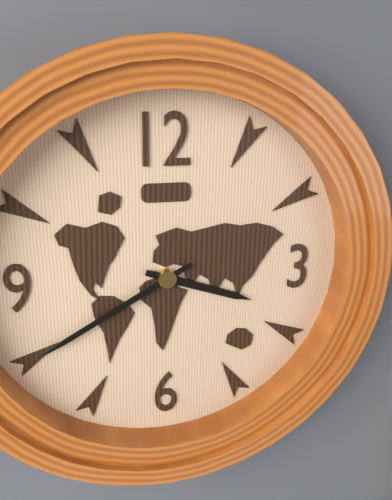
3:40
